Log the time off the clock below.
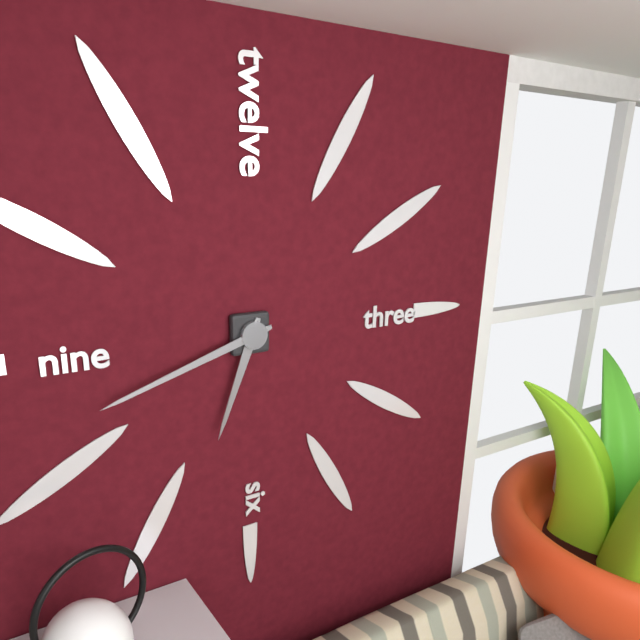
6:42
